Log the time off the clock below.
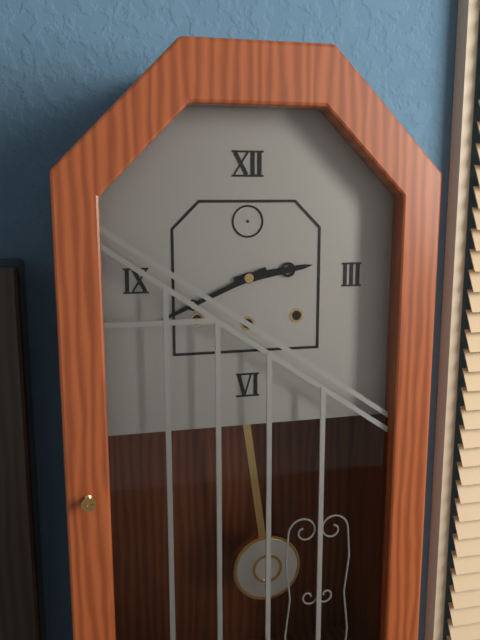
2:41
